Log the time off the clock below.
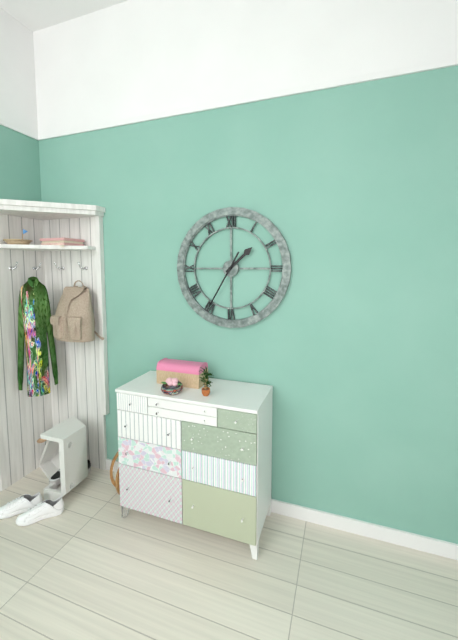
1:35
